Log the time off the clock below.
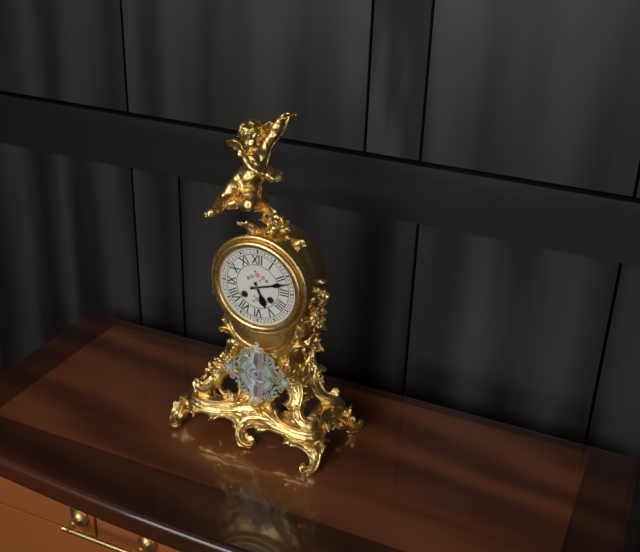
5:12
